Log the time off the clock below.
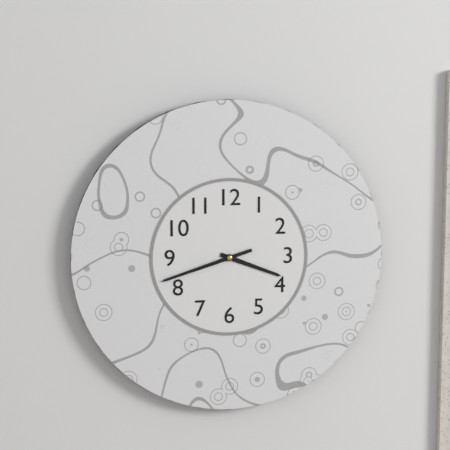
3:42
